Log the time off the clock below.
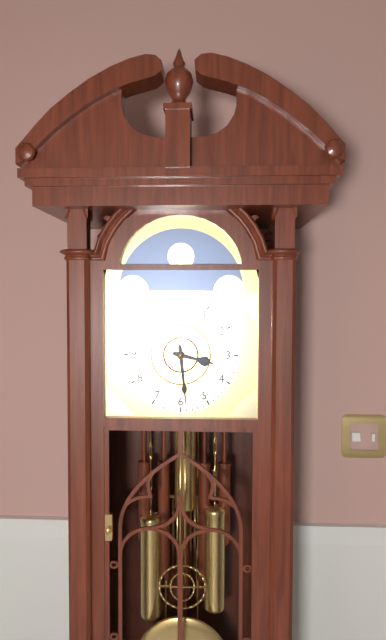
3:29
